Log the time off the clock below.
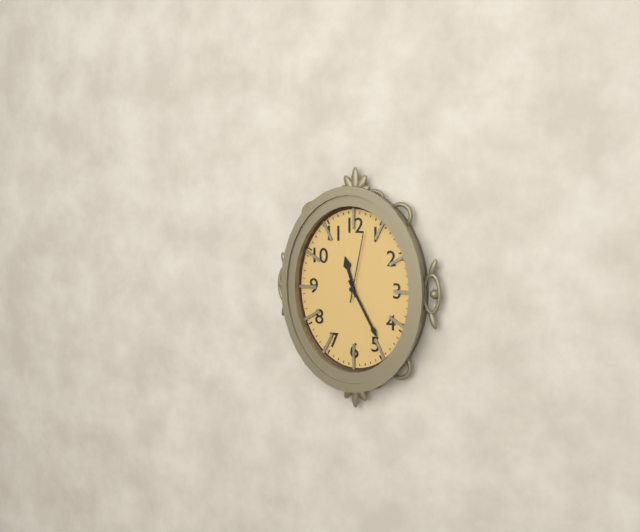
11:25:02
